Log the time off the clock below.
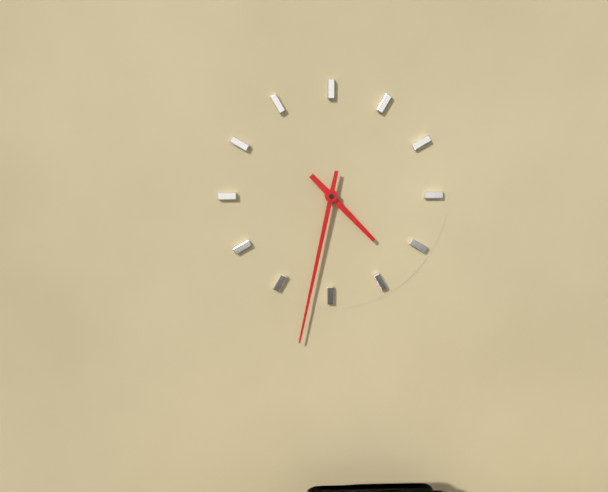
4:32
